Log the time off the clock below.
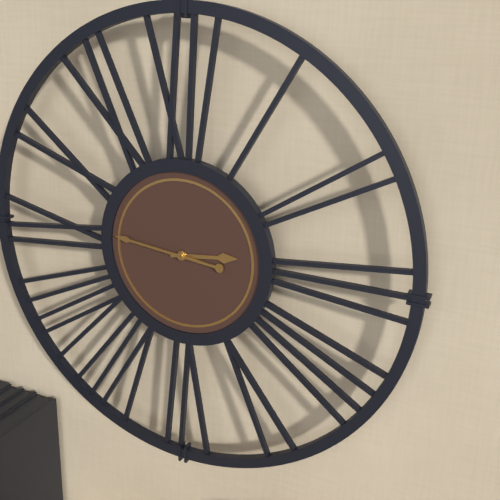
2:46
